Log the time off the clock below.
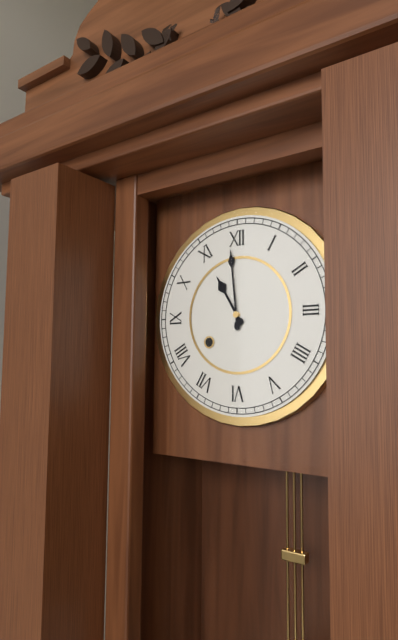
10:59
